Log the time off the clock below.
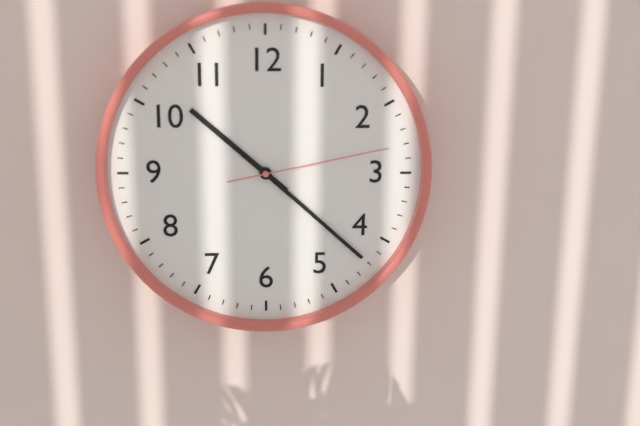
10:22:13
